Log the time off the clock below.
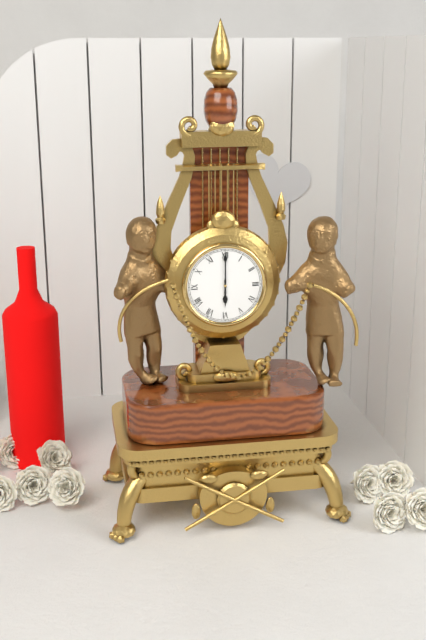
6:00
